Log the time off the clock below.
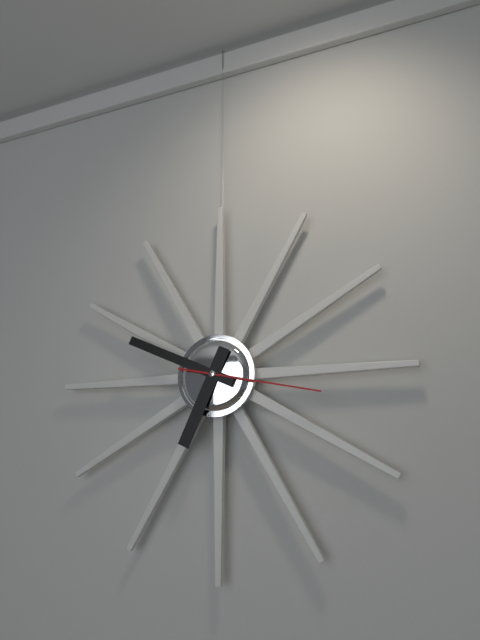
6:49:17
